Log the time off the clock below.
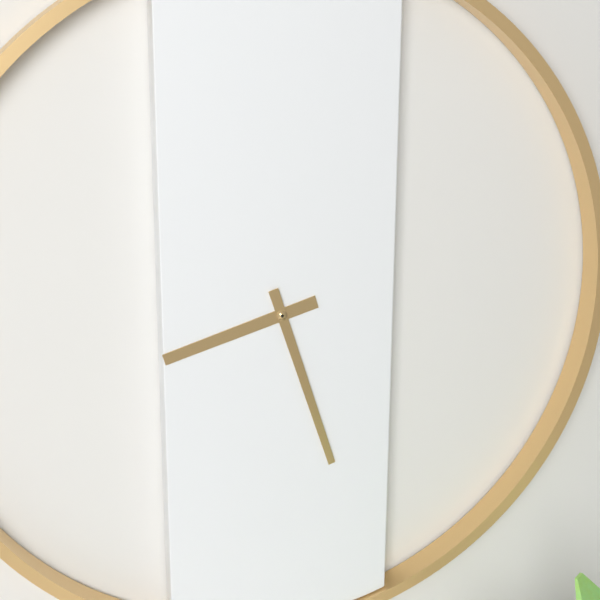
8:27
